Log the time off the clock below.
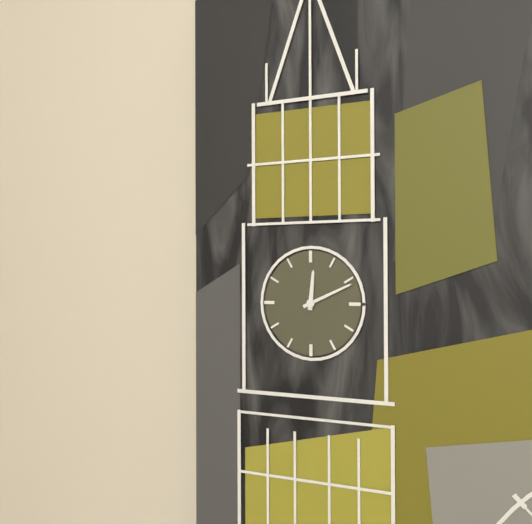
12:11
